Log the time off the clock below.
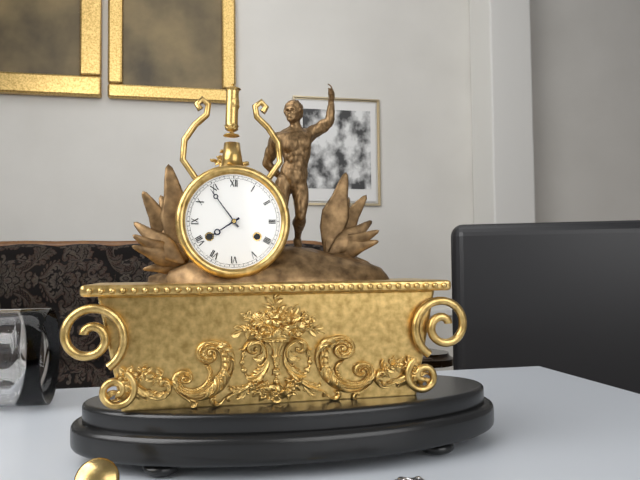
7:54
